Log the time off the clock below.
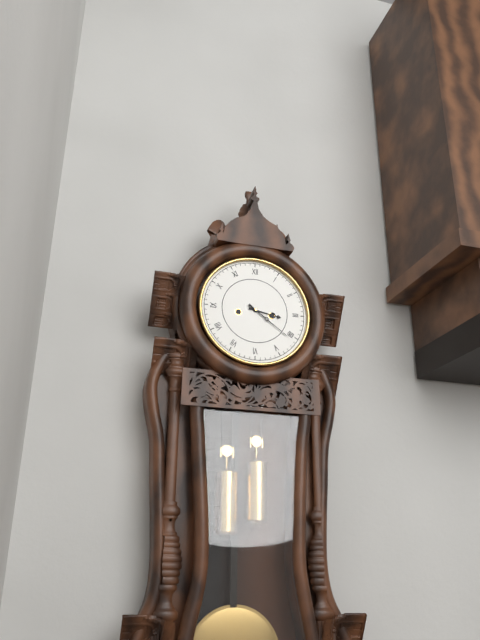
3:21
